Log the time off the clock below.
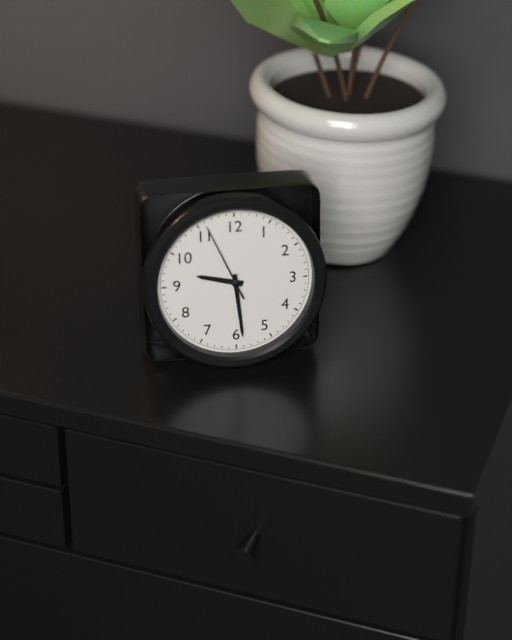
9:29:56
